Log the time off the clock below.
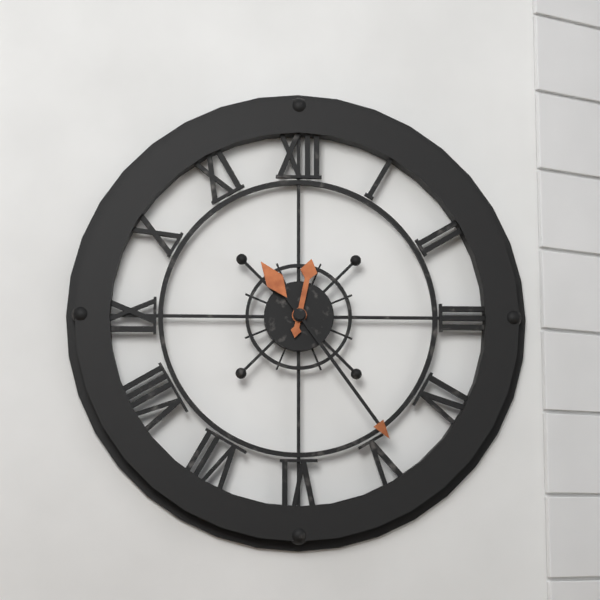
12:24
